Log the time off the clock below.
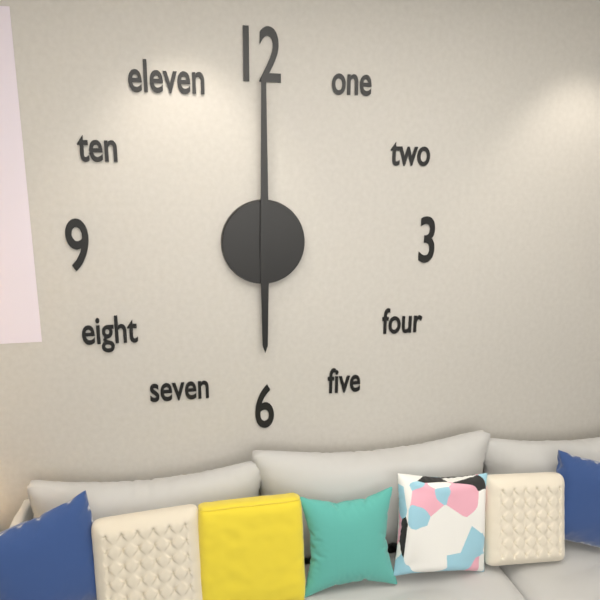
6:00
